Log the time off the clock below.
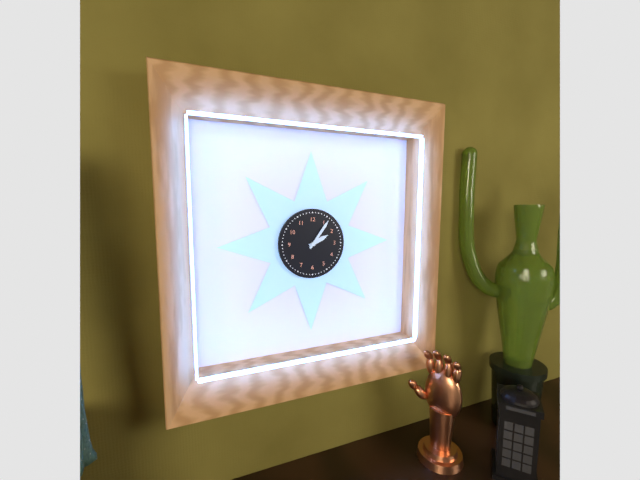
2:06
